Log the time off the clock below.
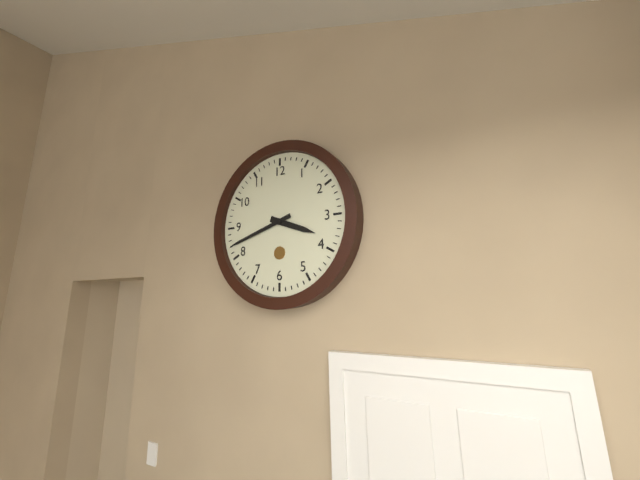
3:42
